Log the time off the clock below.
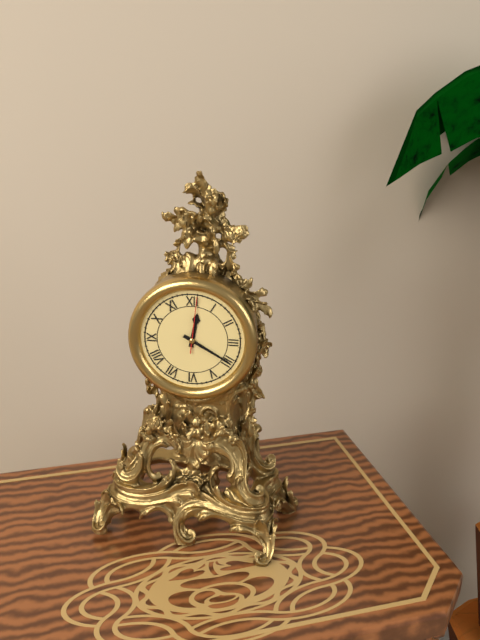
12:20:01
